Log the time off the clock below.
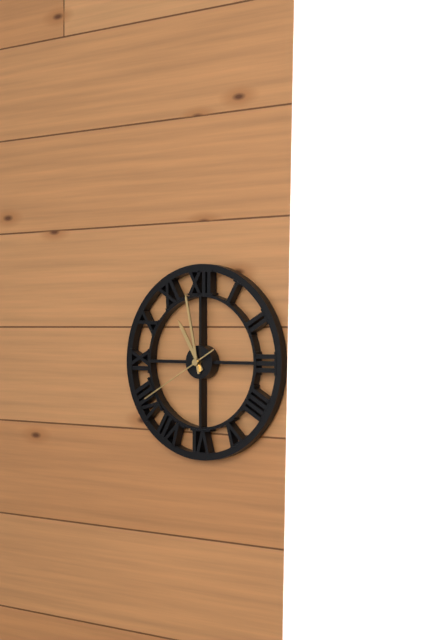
10:58:40
